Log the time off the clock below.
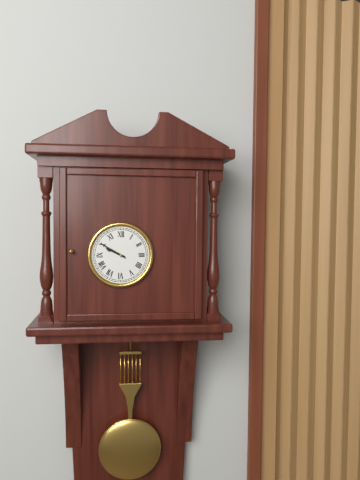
9:50
